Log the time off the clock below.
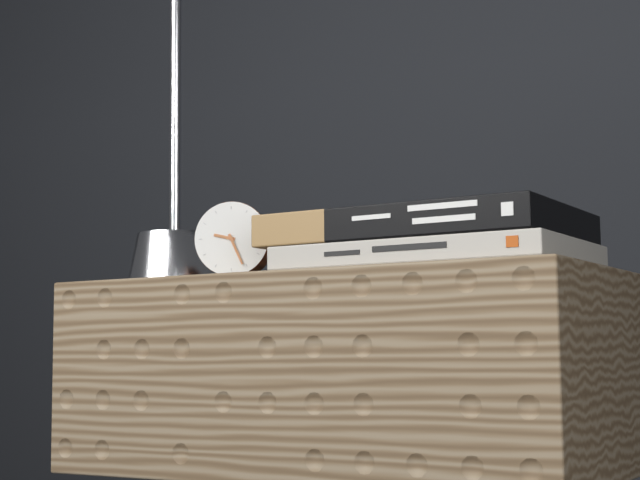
9:26
